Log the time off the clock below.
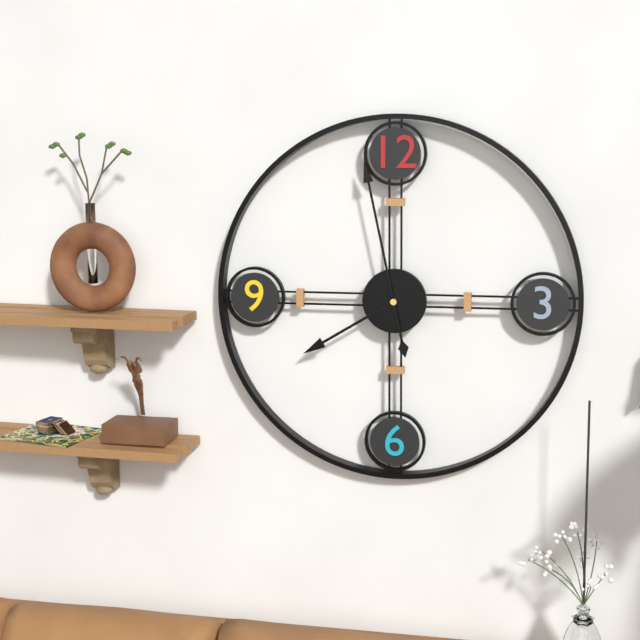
7:58
